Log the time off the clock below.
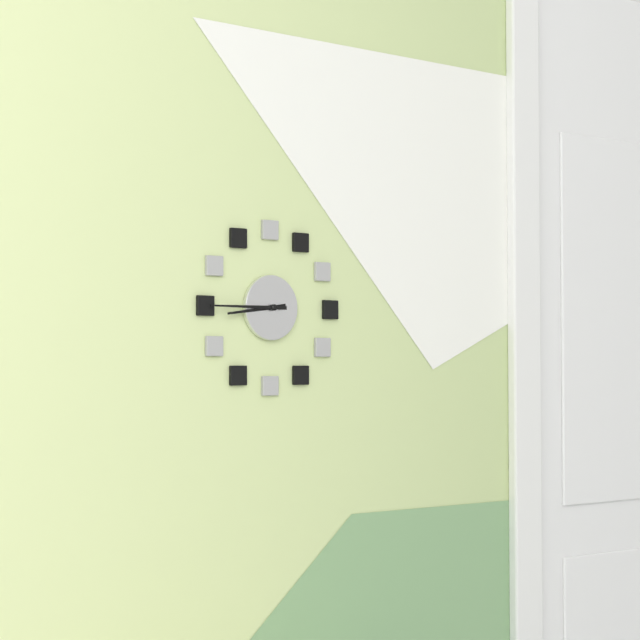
8:45
